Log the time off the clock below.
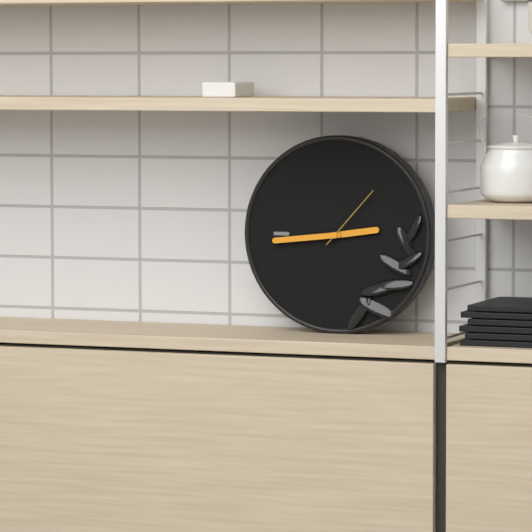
2:44:07
